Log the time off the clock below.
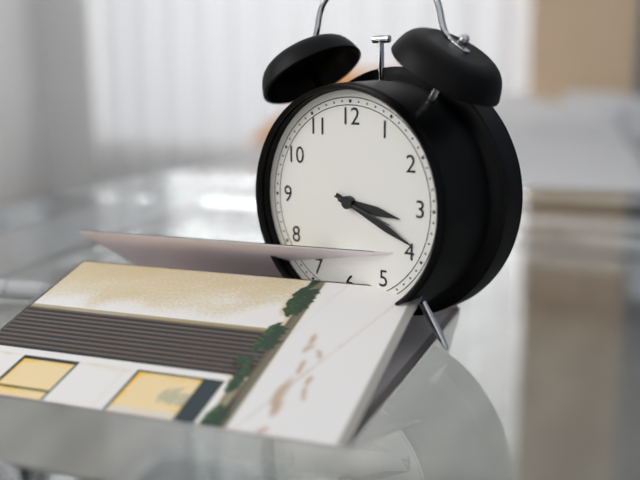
3:19:18
